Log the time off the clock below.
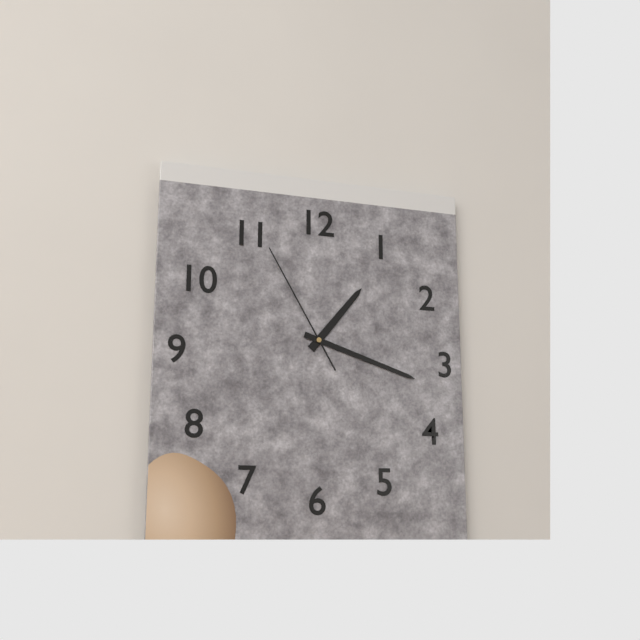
1:18:55
